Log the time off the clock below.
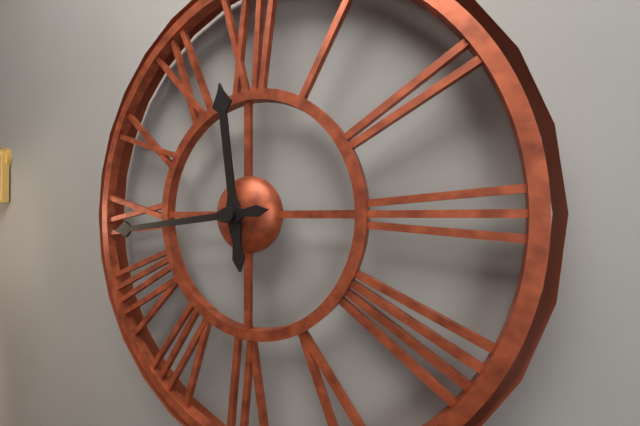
11:44
